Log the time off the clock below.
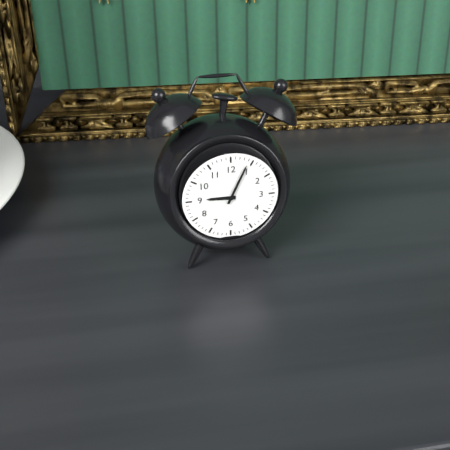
9:04
